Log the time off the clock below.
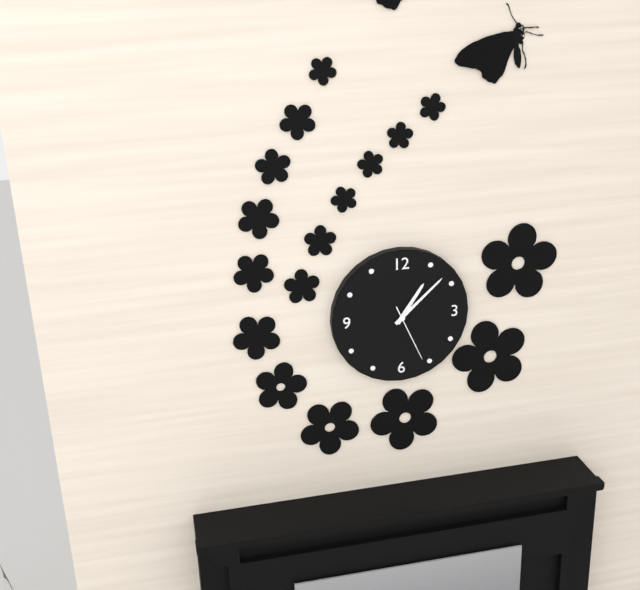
1:08:26
